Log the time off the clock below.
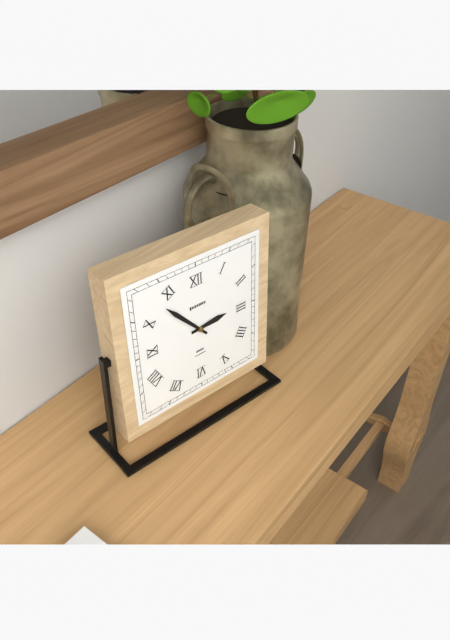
2:53
